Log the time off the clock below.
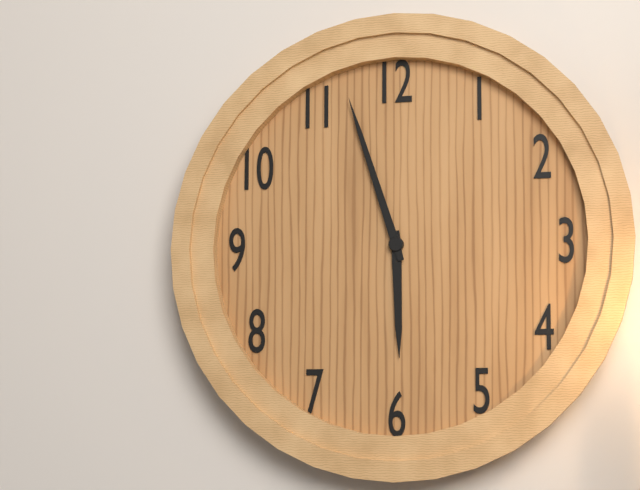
5:57
